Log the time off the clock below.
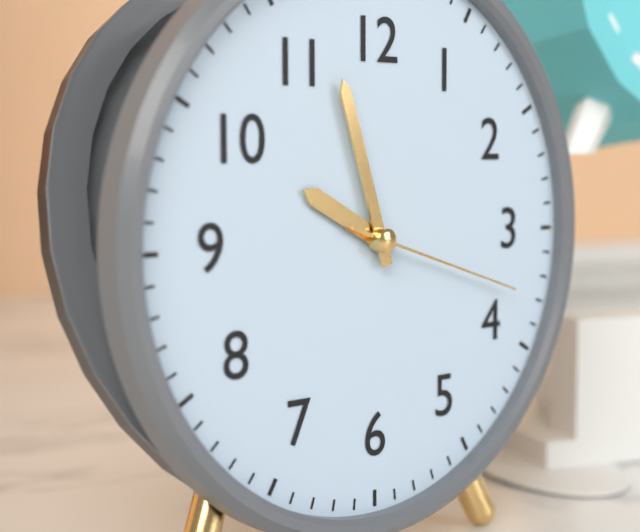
9:57:18
